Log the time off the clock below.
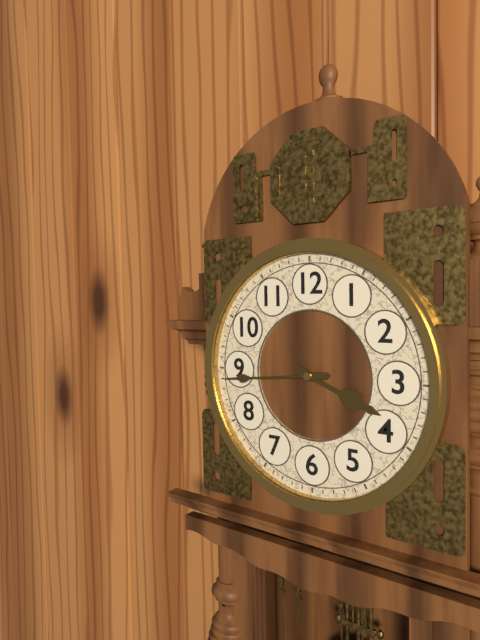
3:44
